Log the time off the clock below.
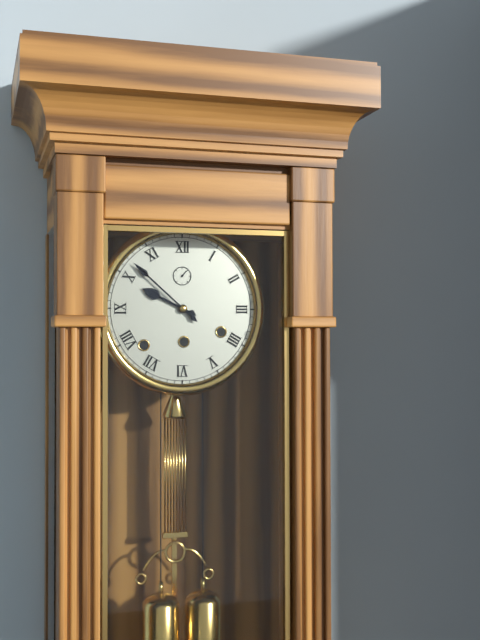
9:52
